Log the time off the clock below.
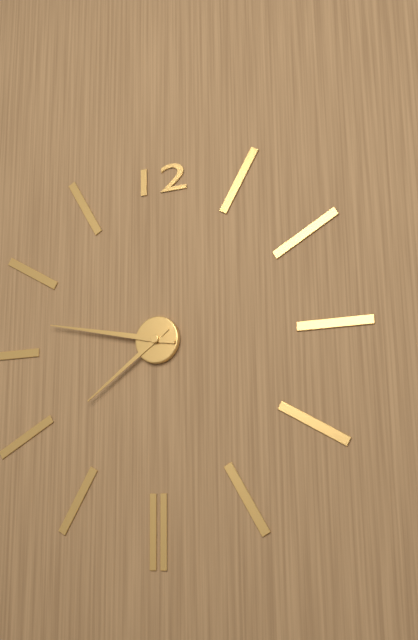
7:47
